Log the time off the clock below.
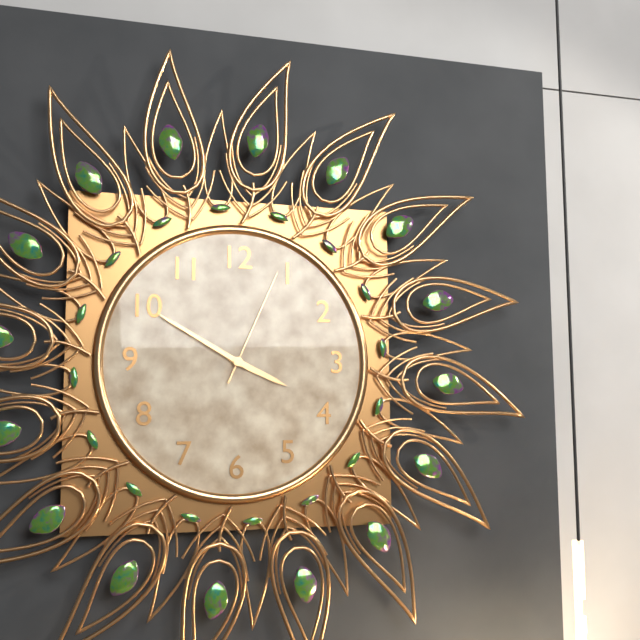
3:50:04
